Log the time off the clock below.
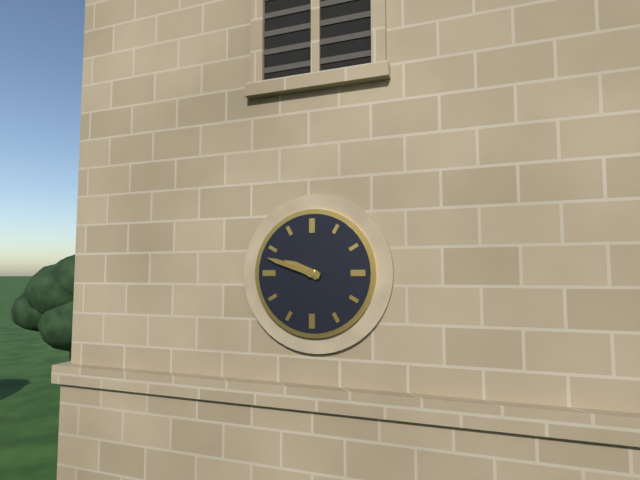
9:48
